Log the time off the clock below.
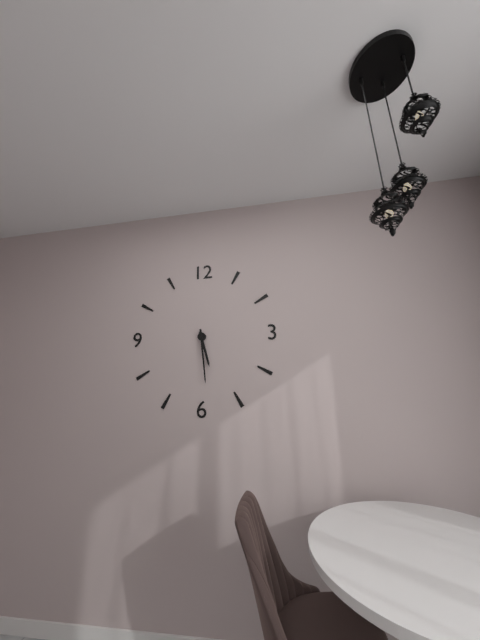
5:29
